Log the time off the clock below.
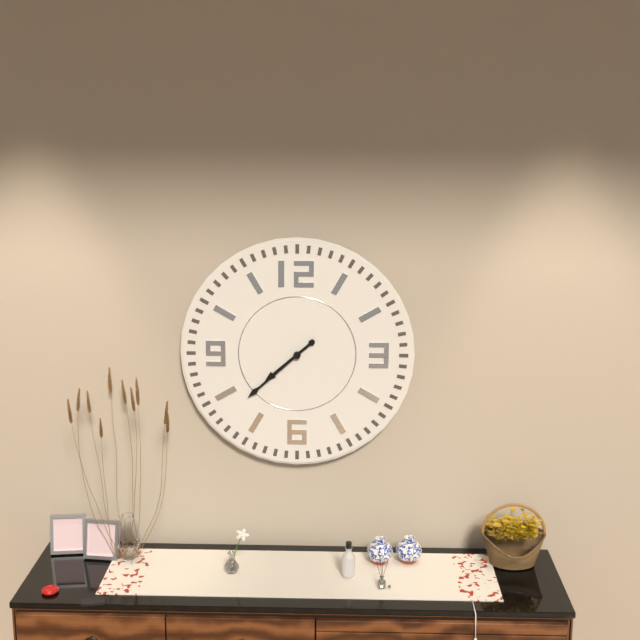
7:38
